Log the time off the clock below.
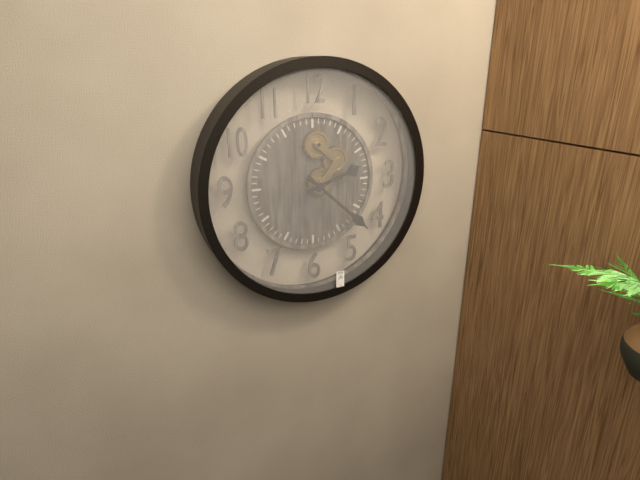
2:22
